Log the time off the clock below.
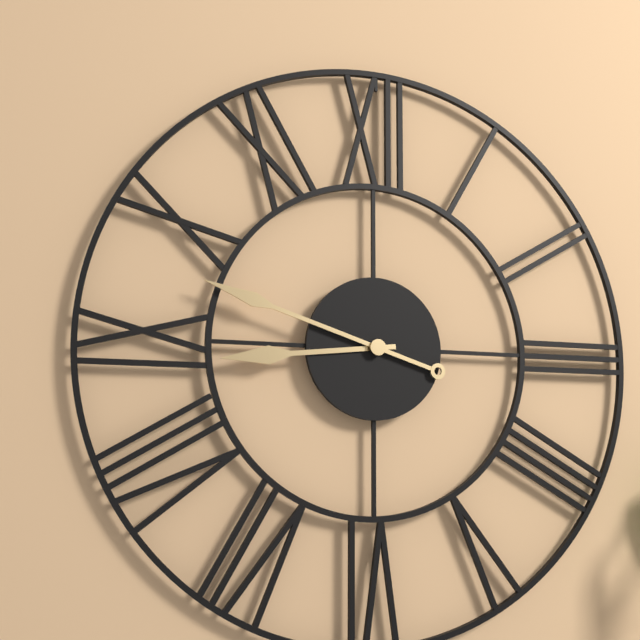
8:48
